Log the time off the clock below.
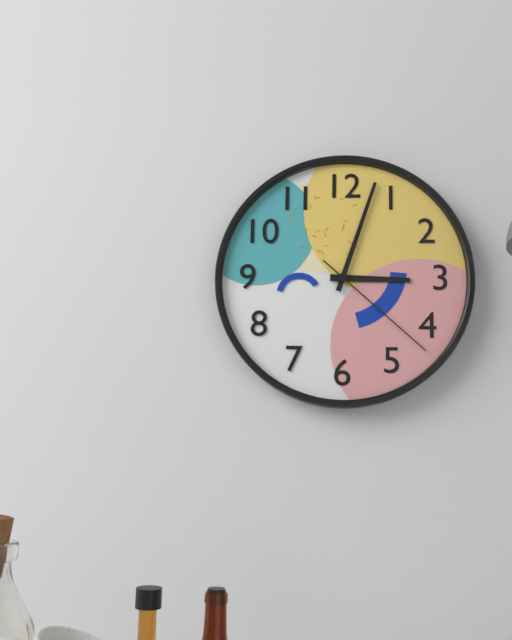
3:03:22
